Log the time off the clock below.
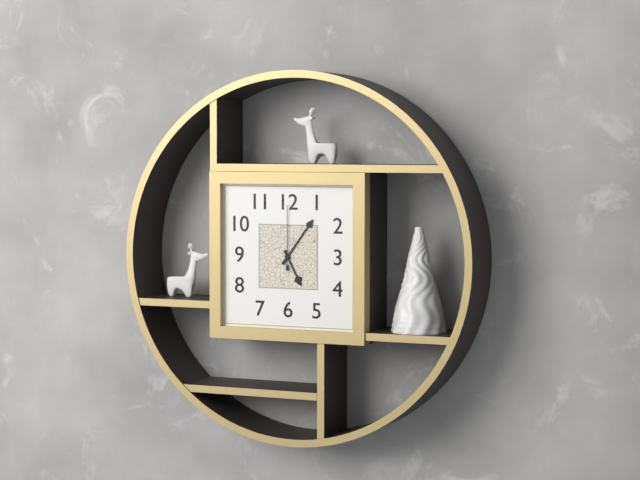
5:06:00
